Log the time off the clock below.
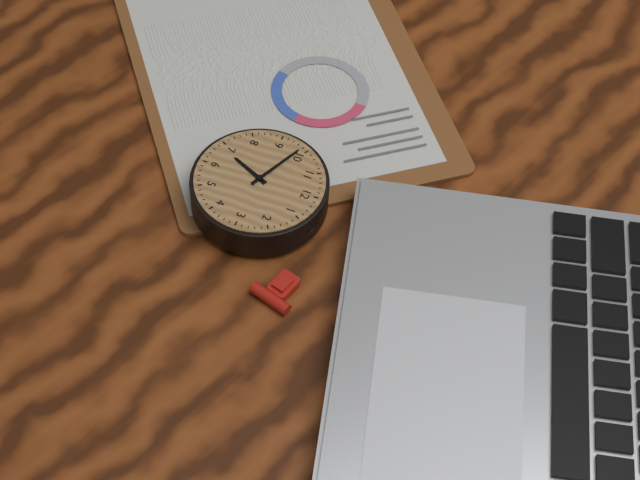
6:49
